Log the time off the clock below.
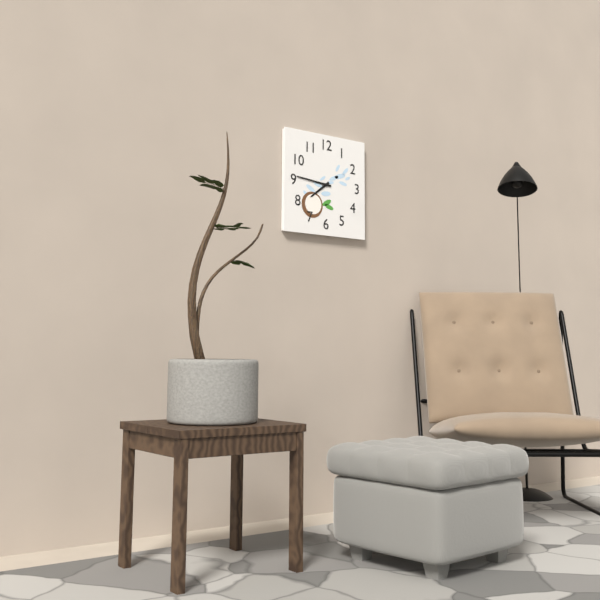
7:46
